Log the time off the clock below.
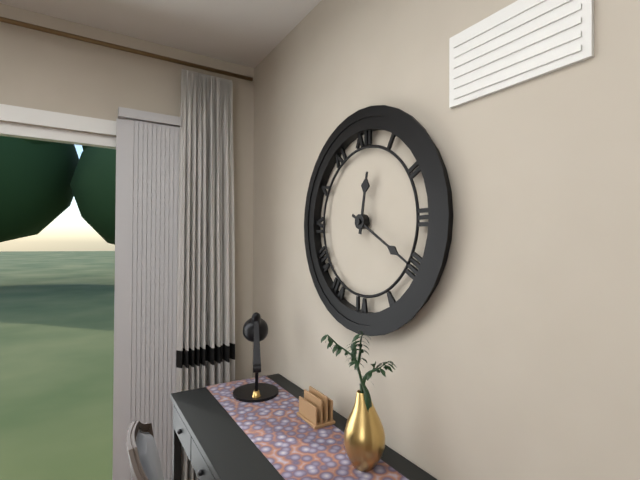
12:20
